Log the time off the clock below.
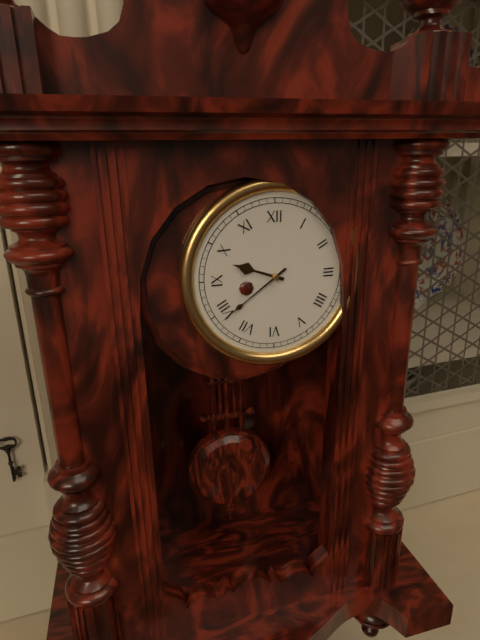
9:39
